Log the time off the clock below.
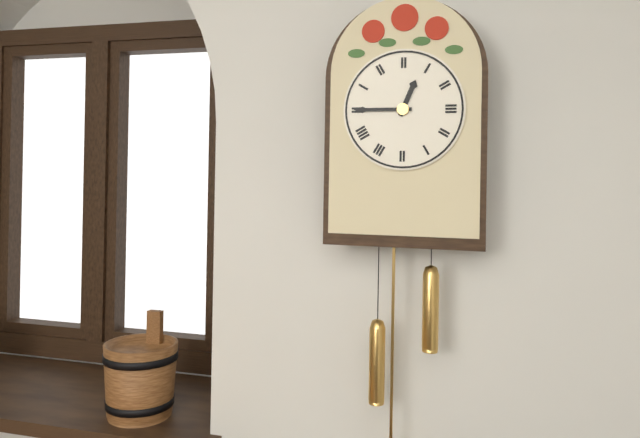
12:45
